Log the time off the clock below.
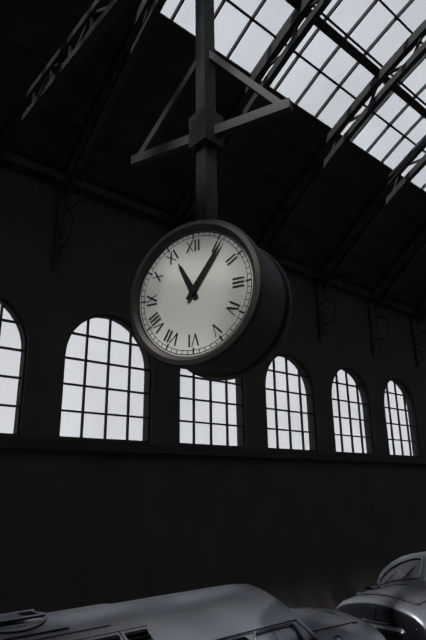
11:06
